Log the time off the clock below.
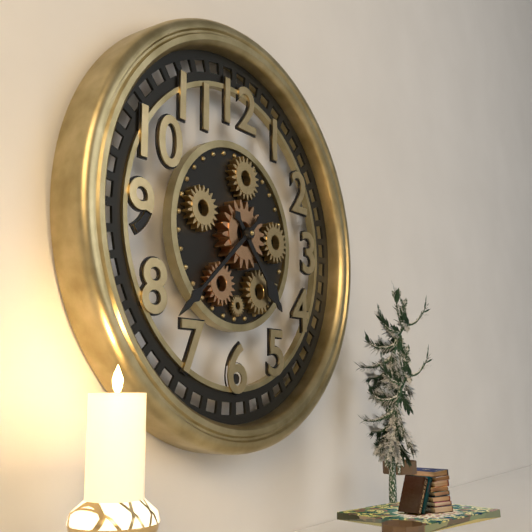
4:38
